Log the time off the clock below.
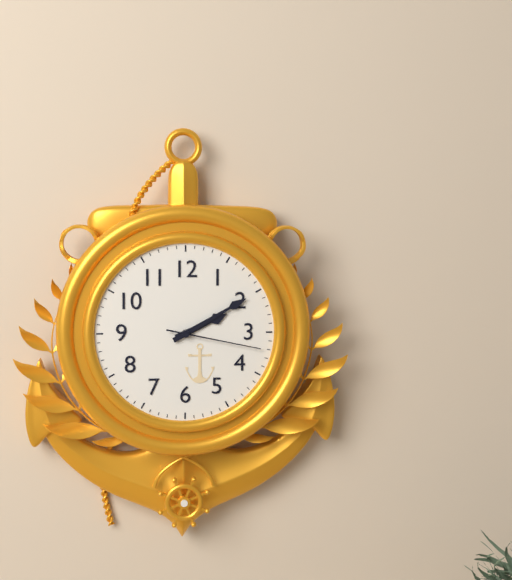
2:10:17
